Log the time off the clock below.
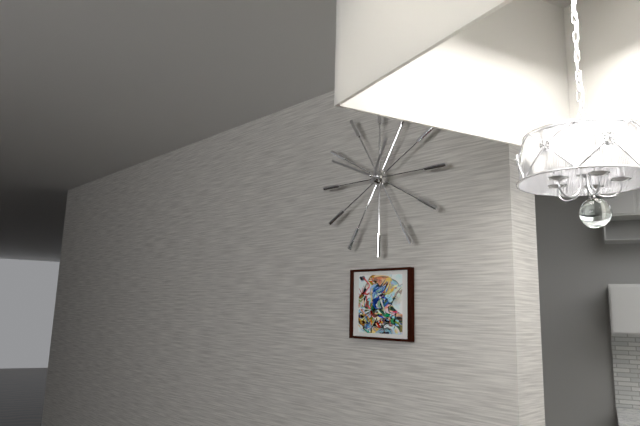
12:49
